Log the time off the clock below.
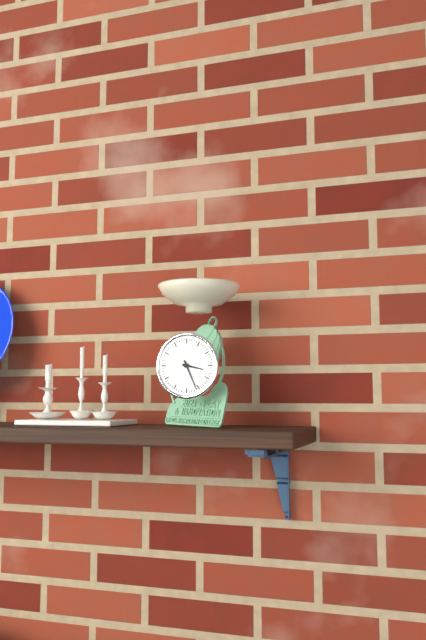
3:26
